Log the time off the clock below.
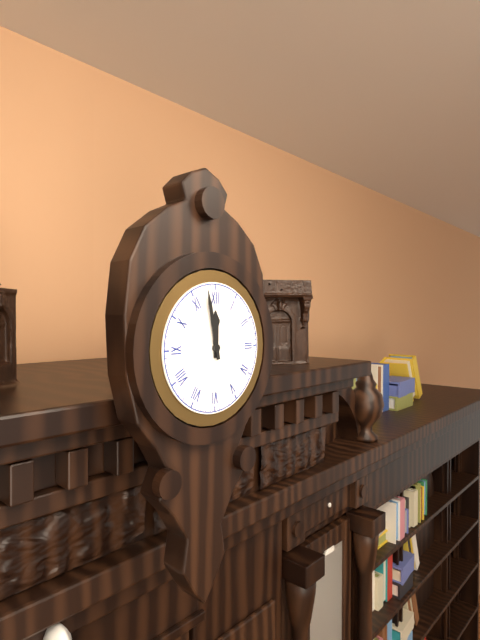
11:58
